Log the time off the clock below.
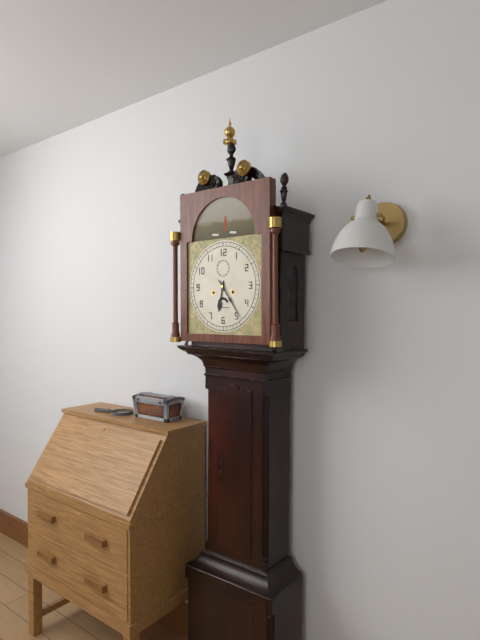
6:24
